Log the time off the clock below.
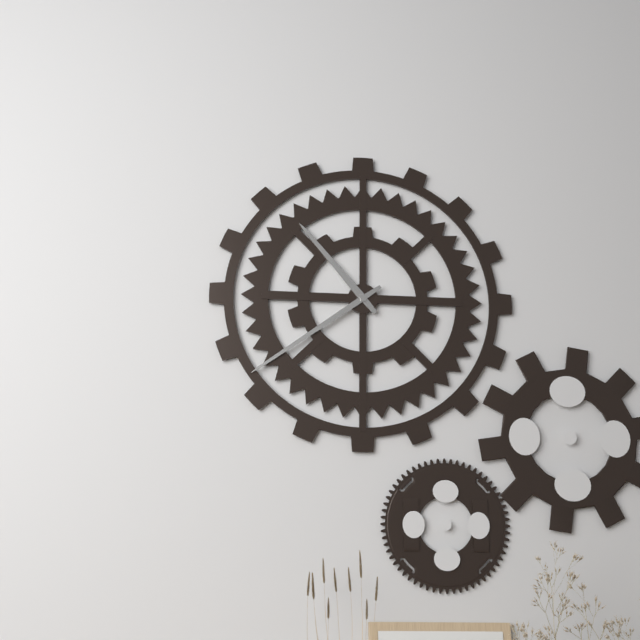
10:39
